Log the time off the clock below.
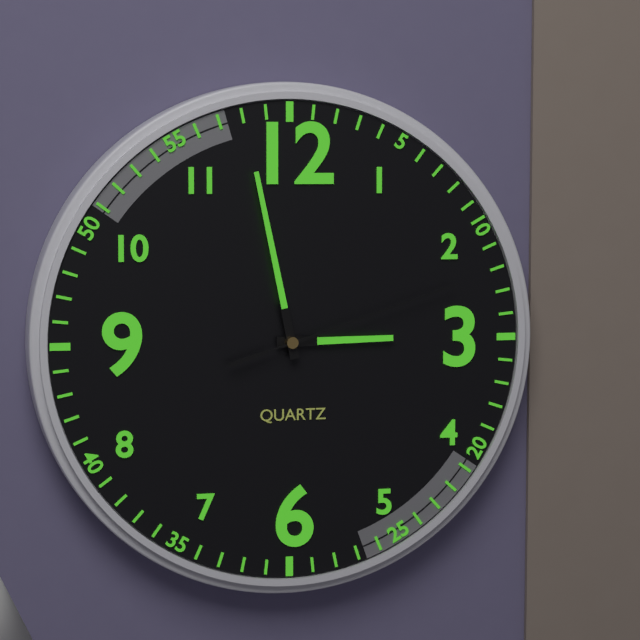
2:58:12
